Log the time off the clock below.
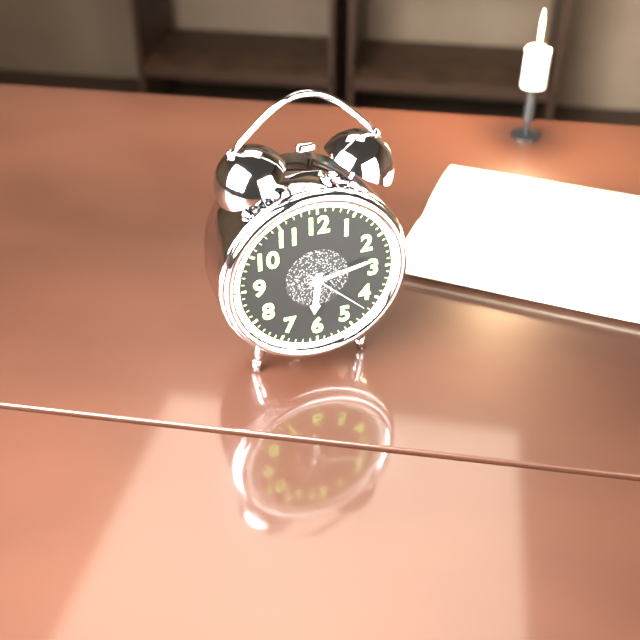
6:13:22
